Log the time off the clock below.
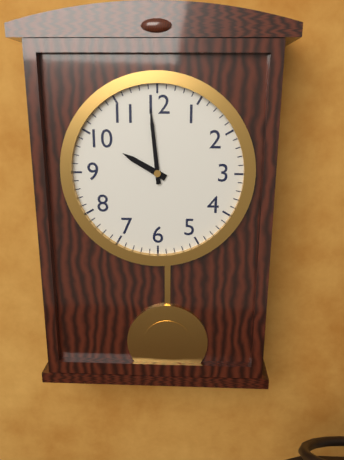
9:59
